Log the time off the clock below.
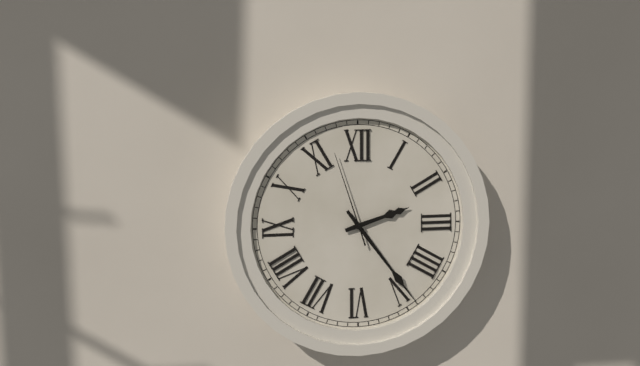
2:24:57
